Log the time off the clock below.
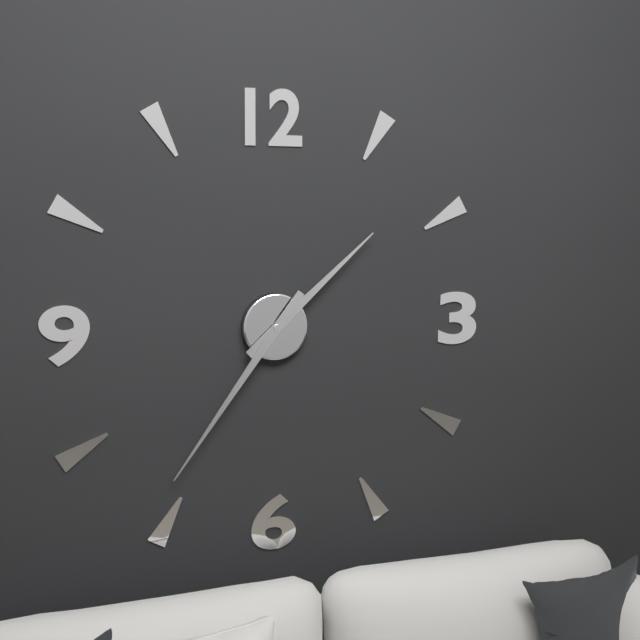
1:36
